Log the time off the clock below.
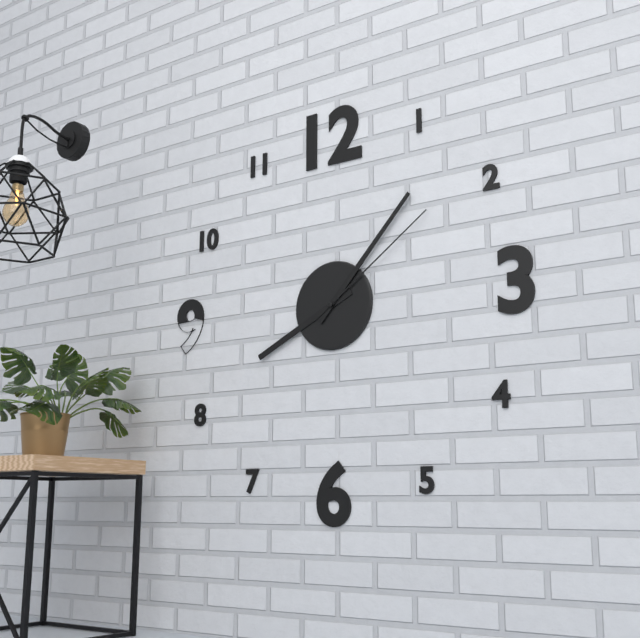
8:07:09
